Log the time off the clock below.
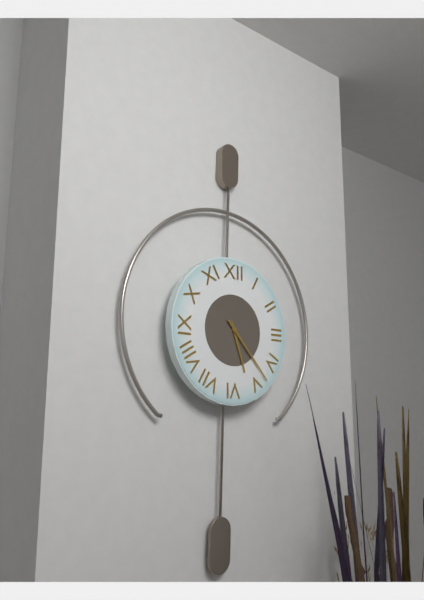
5:23
